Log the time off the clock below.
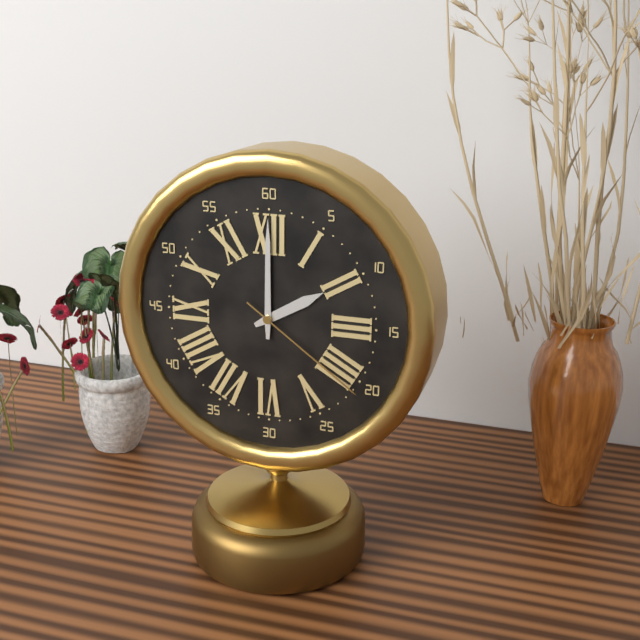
2:00:21
